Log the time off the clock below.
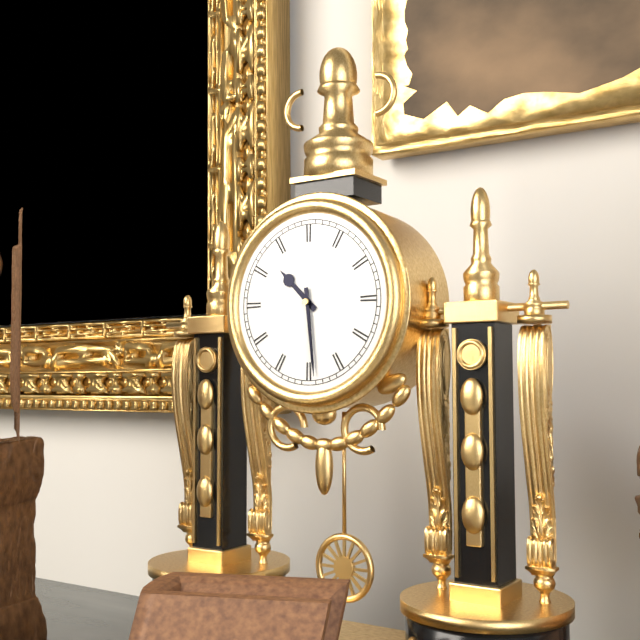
10:29
